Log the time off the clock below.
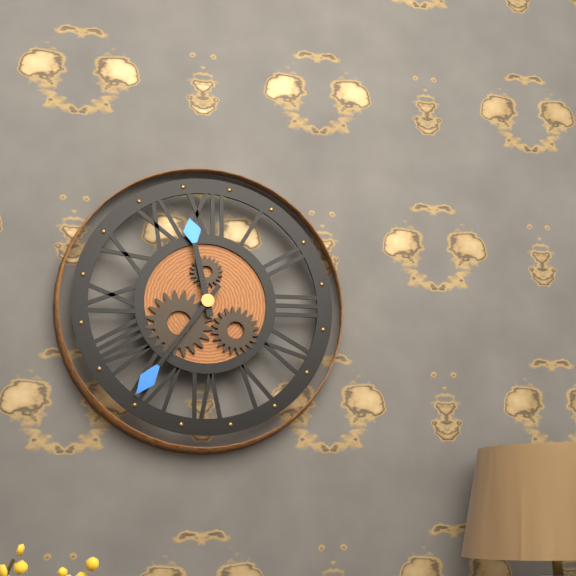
11:36
